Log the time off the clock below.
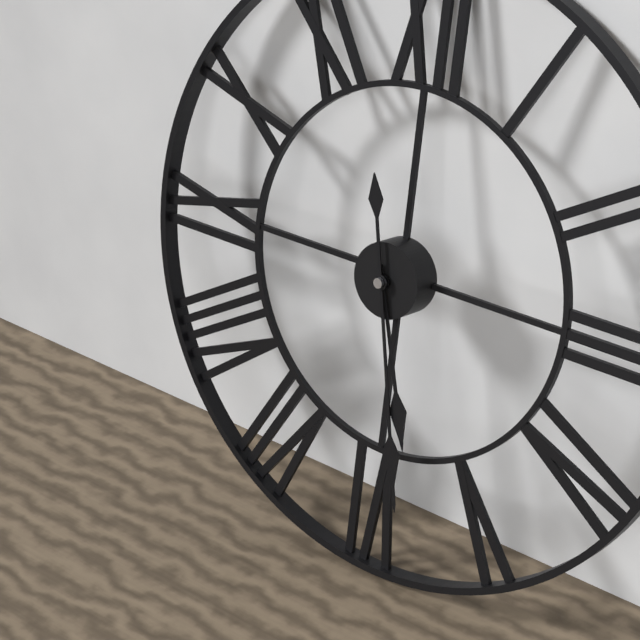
5:28
